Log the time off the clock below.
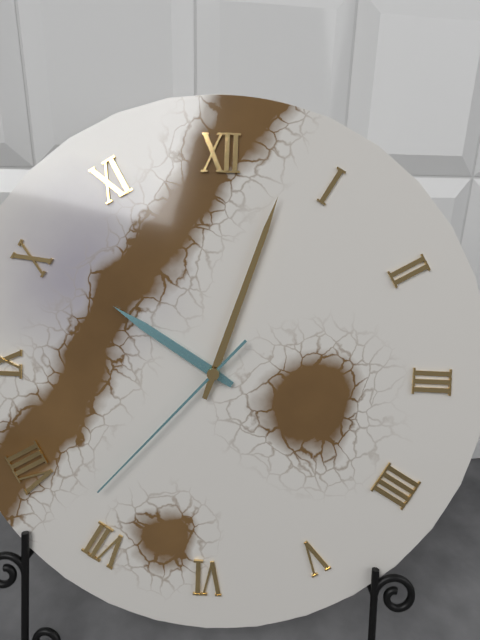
10:03:37
